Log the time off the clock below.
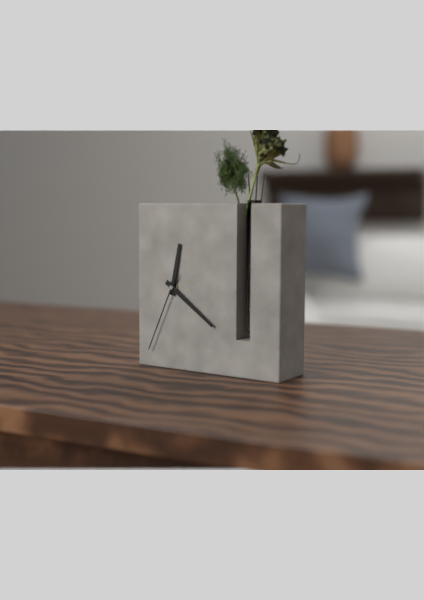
12:21:34
